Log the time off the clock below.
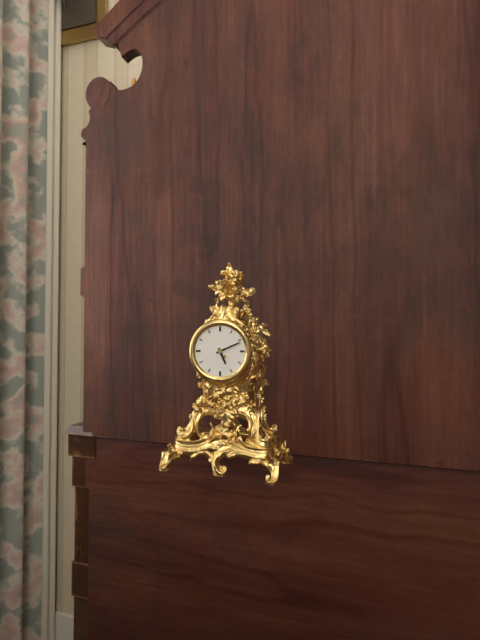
5:11
